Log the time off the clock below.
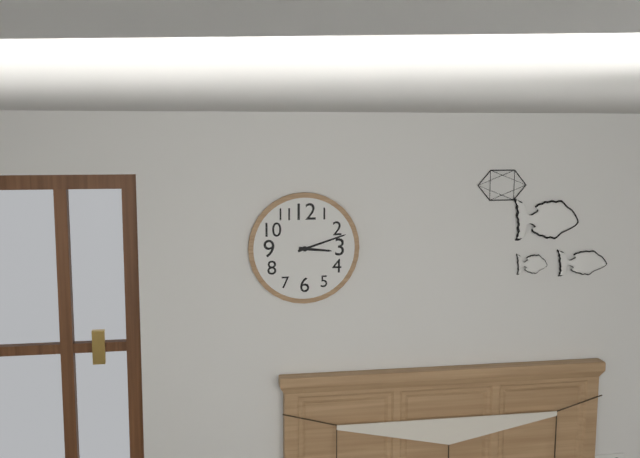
3:12
